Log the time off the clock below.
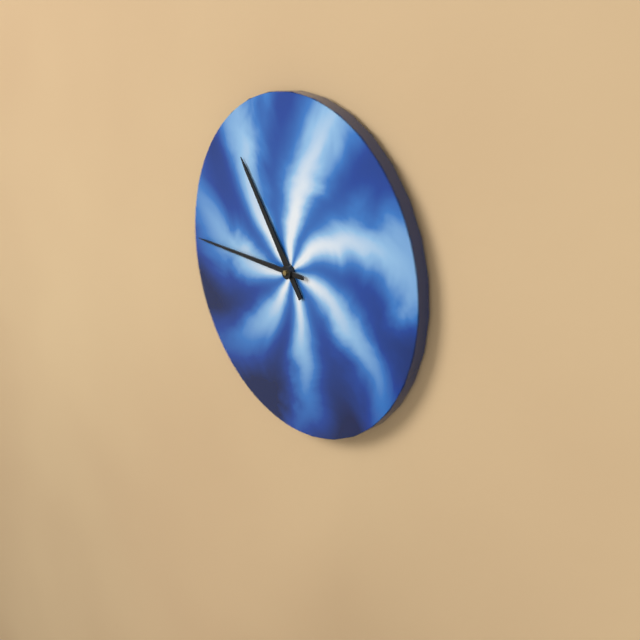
10:45
